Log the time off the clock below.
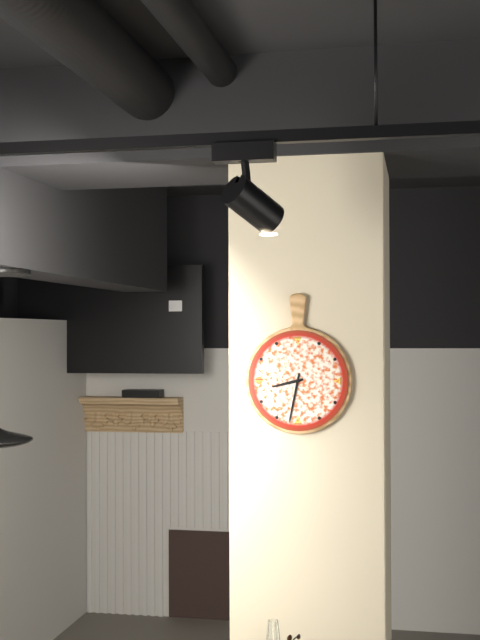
8:32
